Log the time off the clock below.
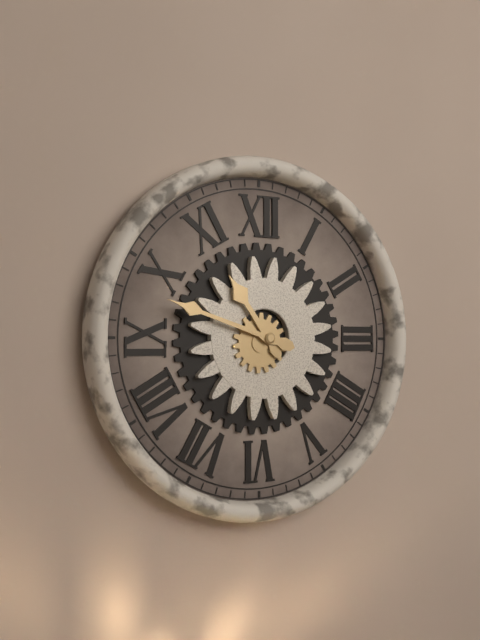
10:48
